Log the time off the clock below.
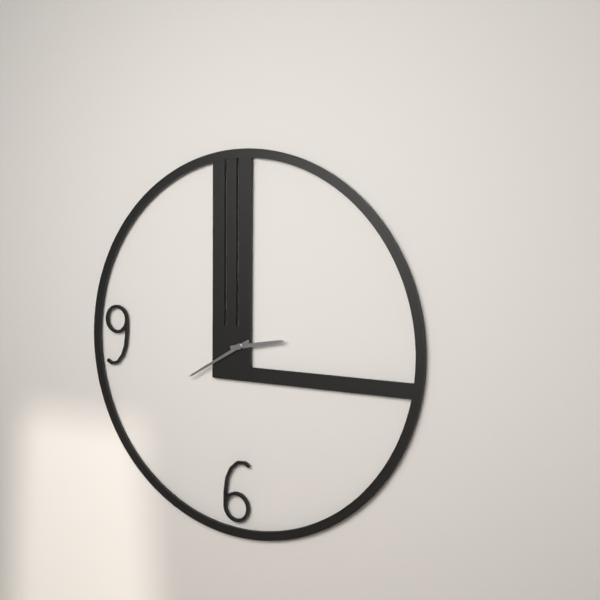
2:40
